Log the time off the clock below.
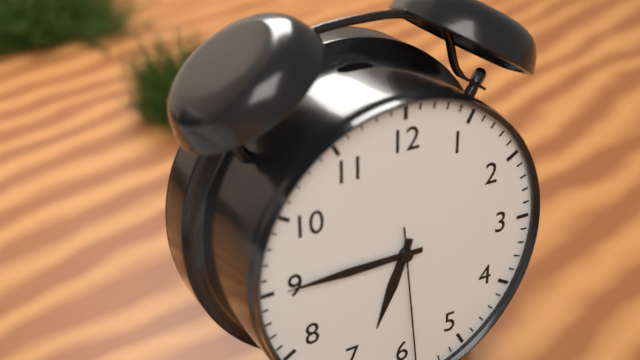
6:45
